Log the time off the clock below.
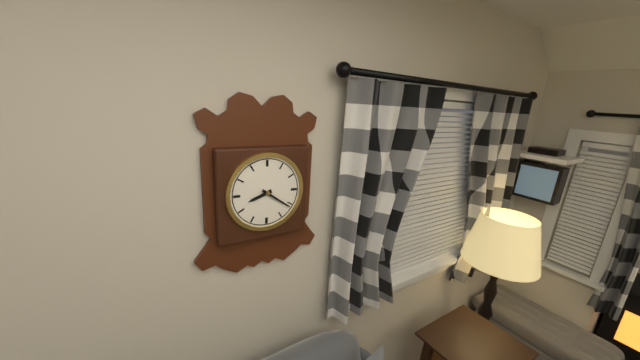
8:21
